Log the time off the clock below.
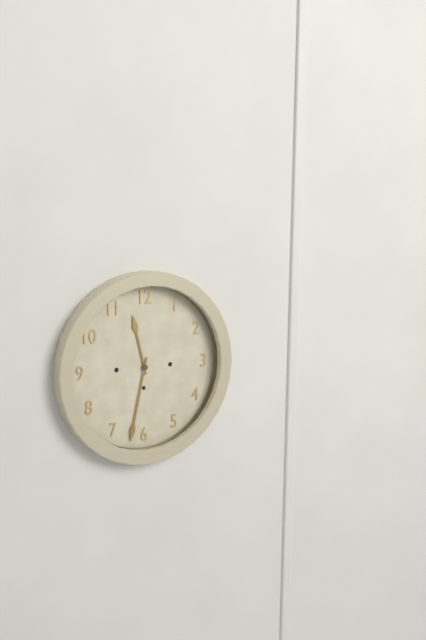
11:32
